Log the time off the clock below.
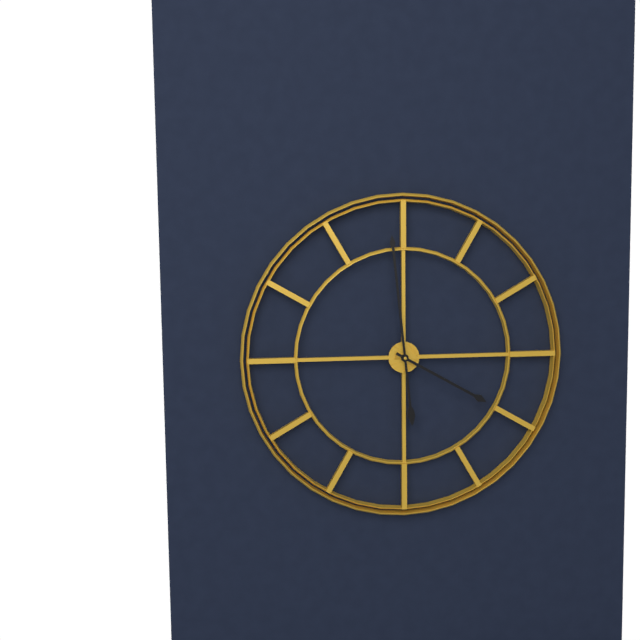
3:59
